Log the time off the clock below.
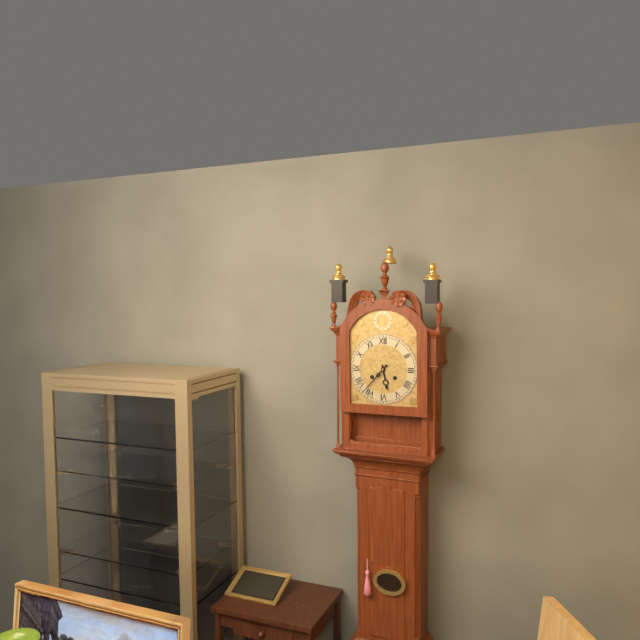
5:37
